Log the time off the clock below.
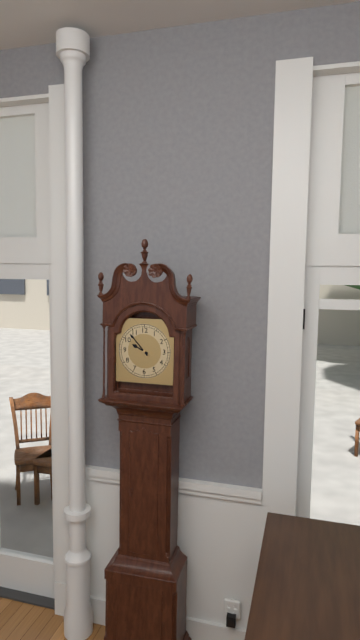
9:53
